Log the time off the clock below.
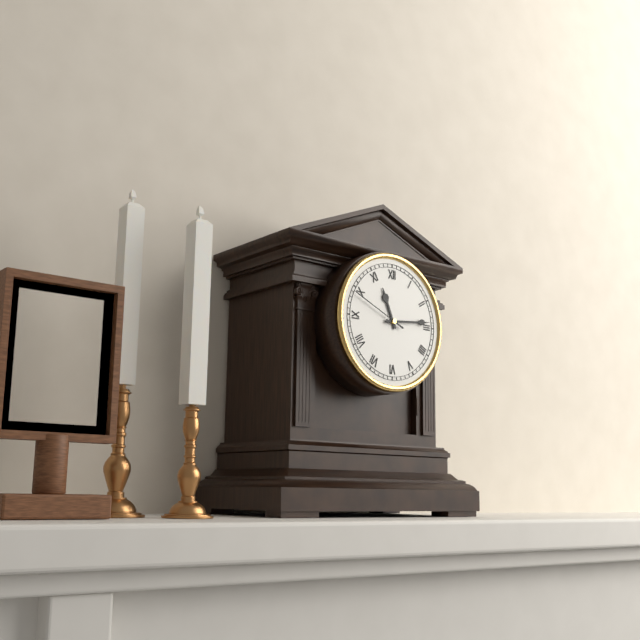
11:14:49
